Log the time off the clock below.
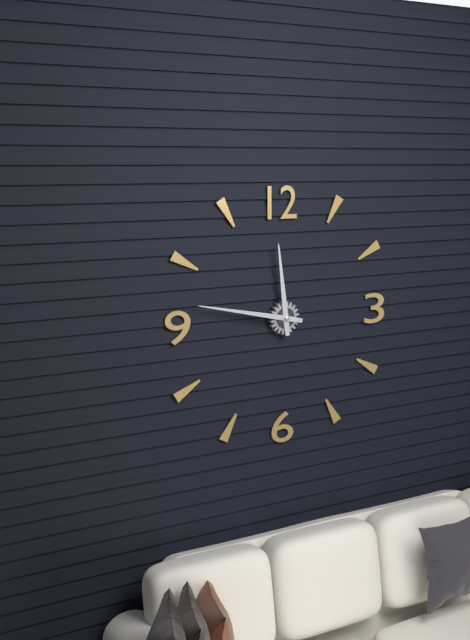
11:47
